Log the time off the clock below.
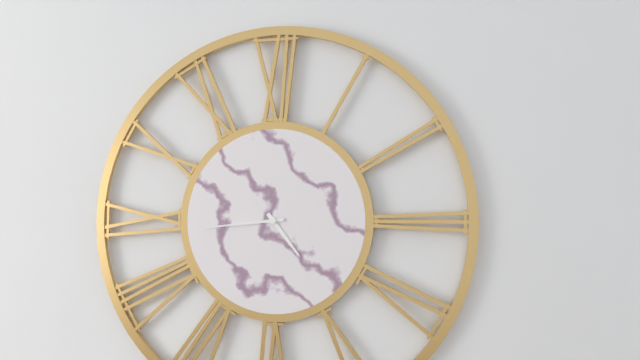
4:44
